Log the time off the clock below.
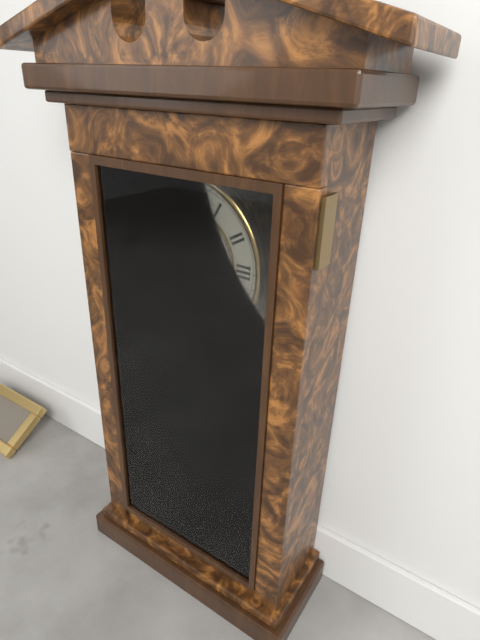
6:18
